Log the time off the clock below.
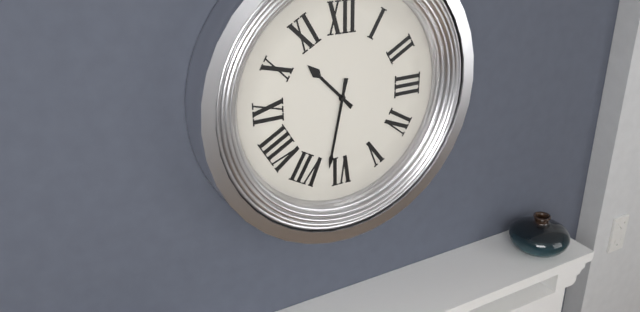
10:32
